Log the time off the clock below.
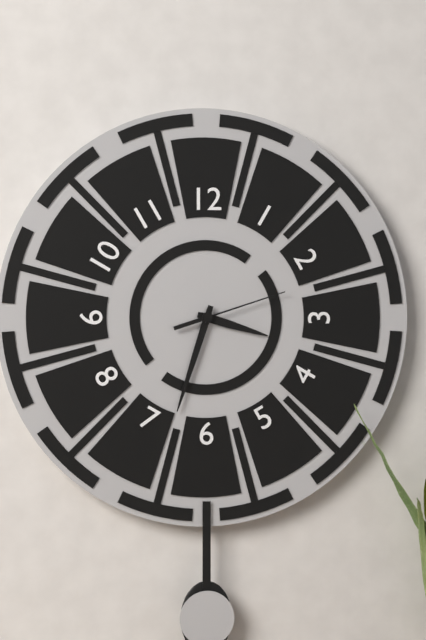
3:33:12
